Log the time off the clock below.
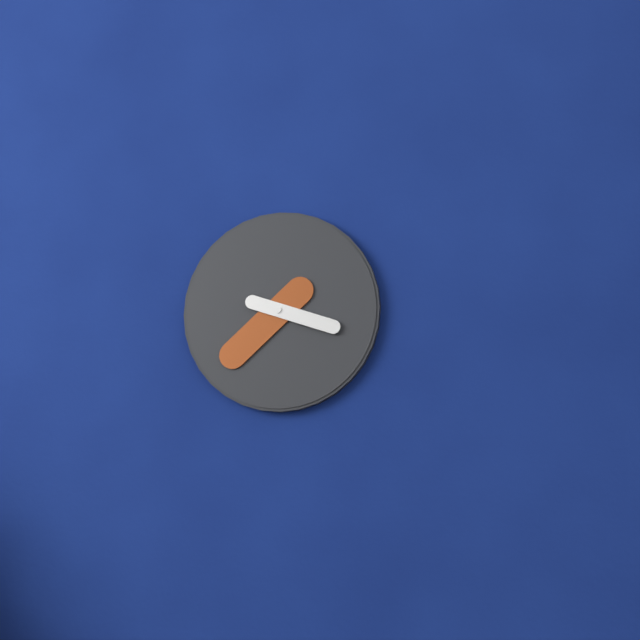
3:38
